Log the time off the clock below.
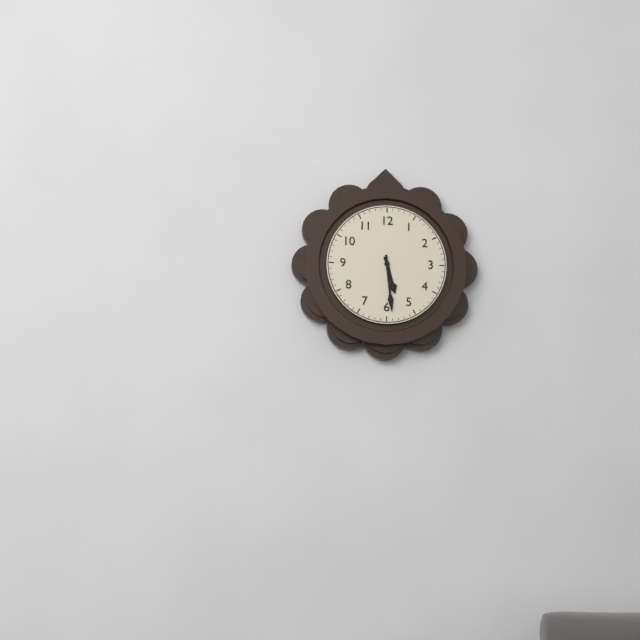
5:29
